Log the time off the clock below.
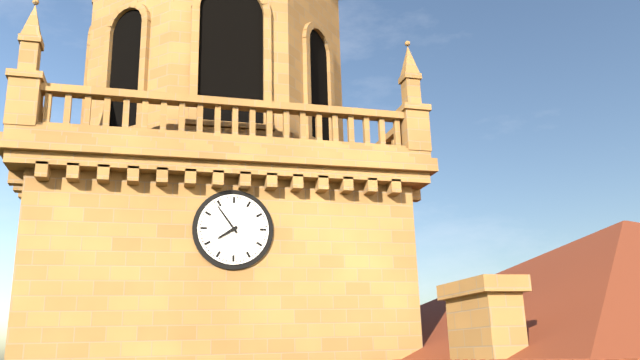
7:54
